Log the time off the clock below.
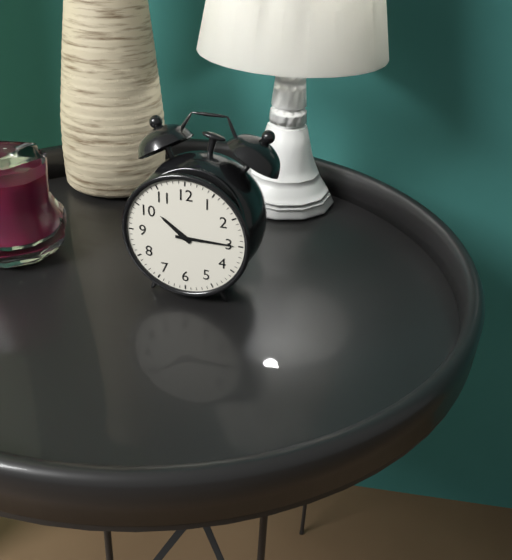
10:15
